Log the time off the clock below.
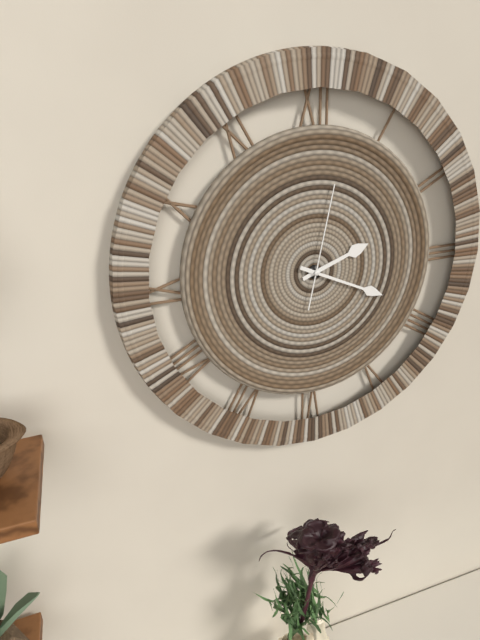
2:19:02
